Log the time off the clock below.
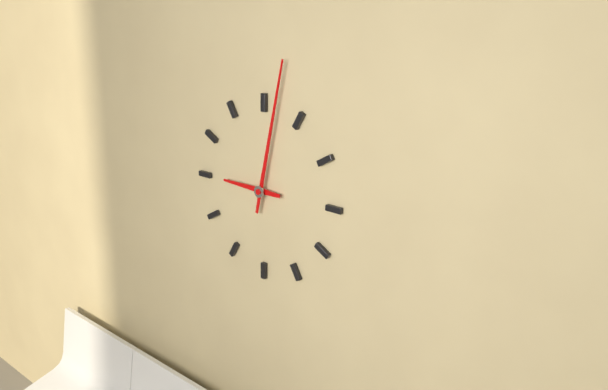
9:02
